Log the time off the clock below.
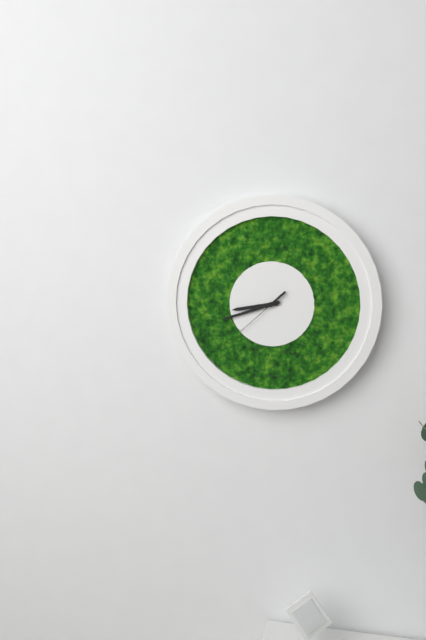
8:42:38
